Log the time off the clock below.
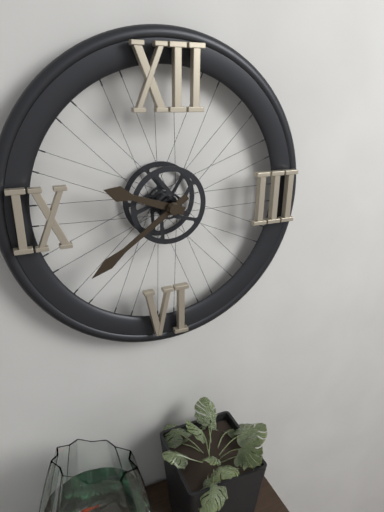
9:39
